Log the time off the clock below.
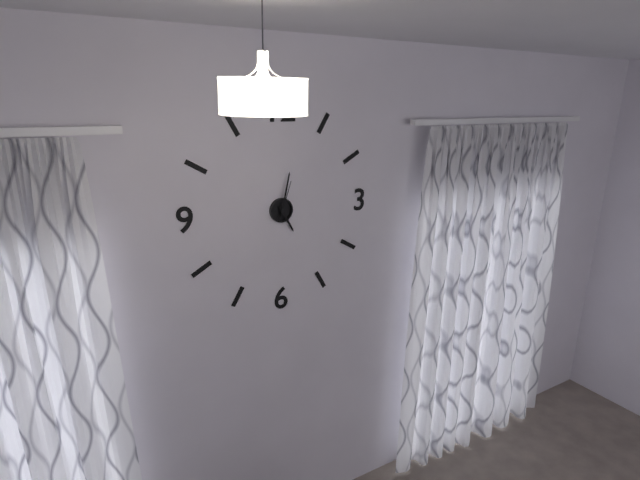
5:02
